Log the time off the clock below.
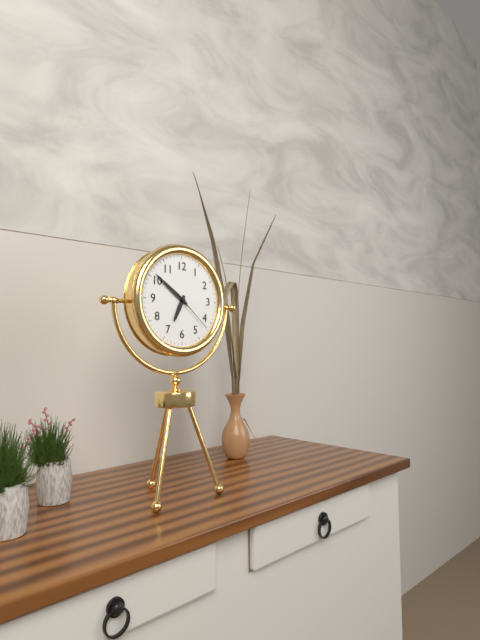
6:51
